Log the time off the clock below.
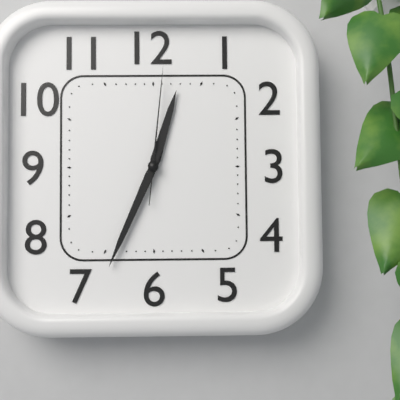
12:34:01
